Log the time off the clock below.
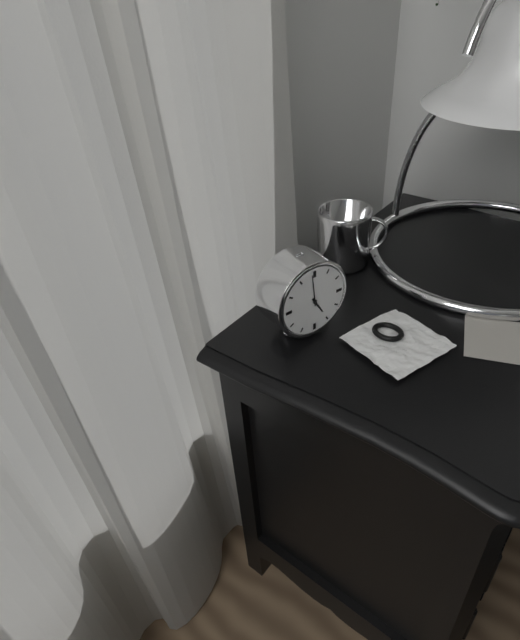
4:59
